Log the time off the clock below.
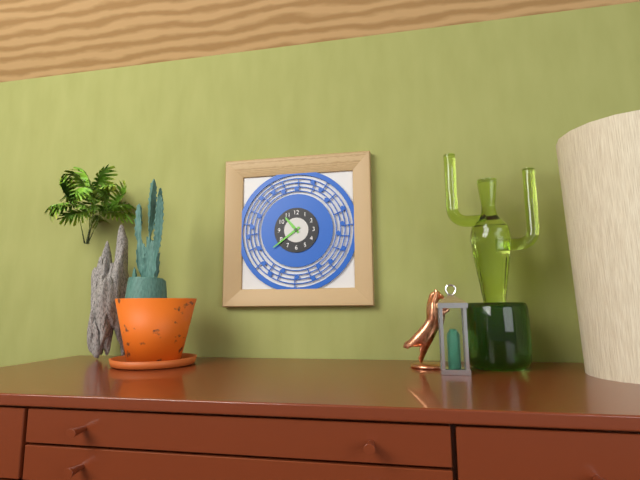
10:39
